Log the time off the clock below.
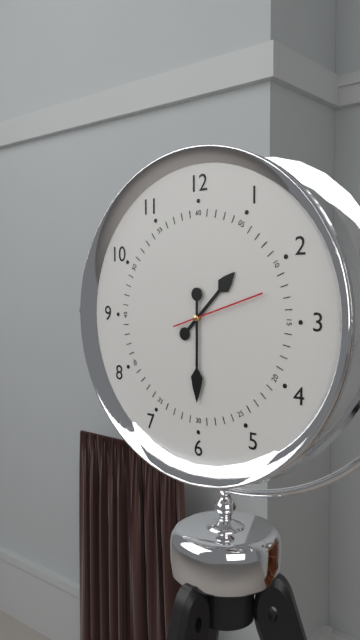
1:30:12
